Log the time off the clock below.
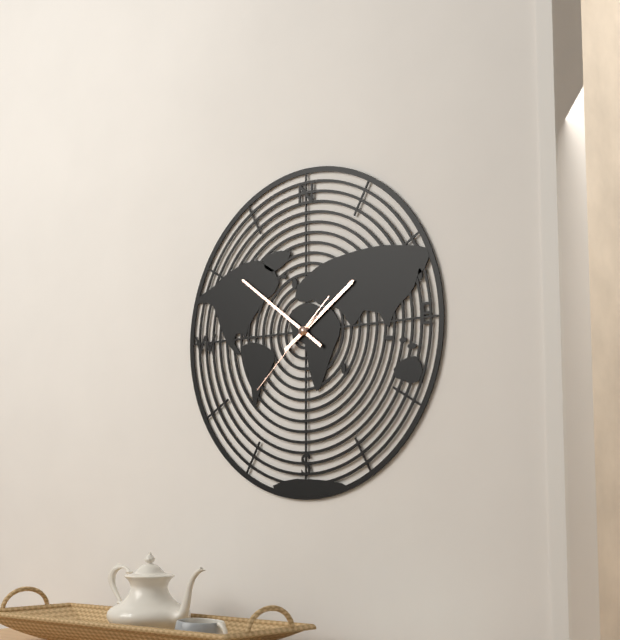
1:51:38
